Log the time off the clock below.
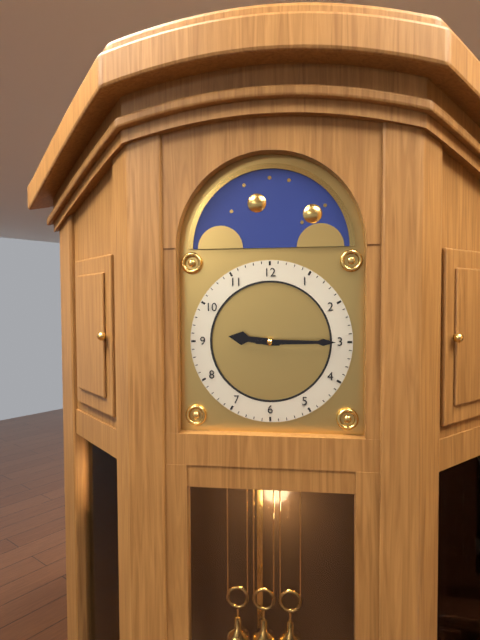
9:15
